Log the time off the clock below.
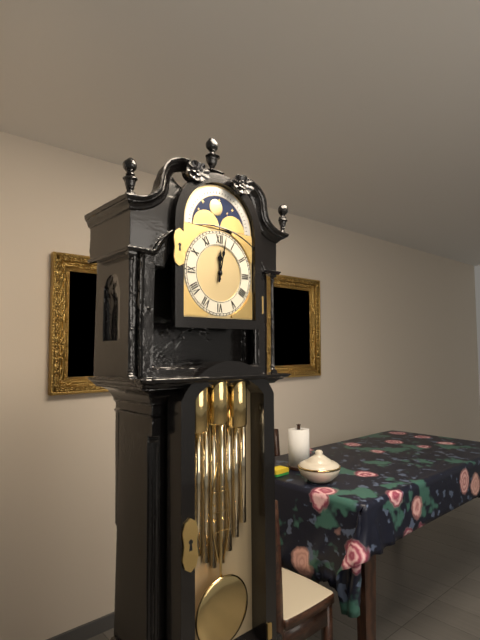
12:02
